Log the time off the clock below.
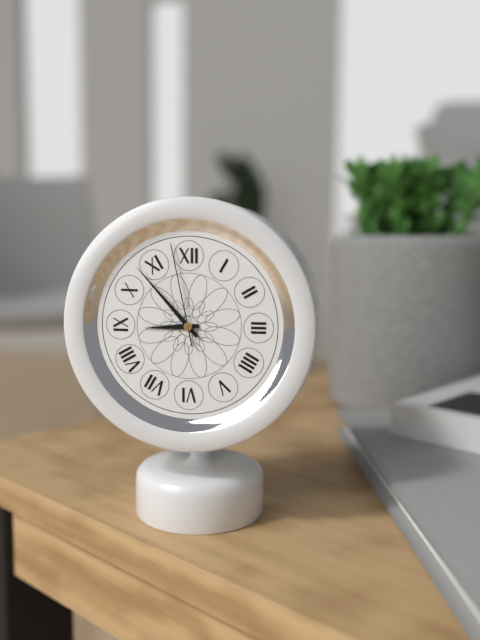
8:53:58
